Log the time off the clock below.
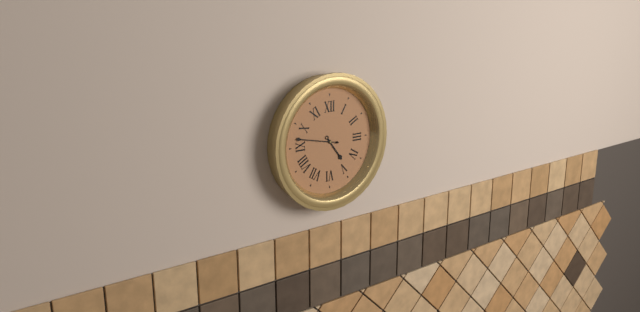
4:47
